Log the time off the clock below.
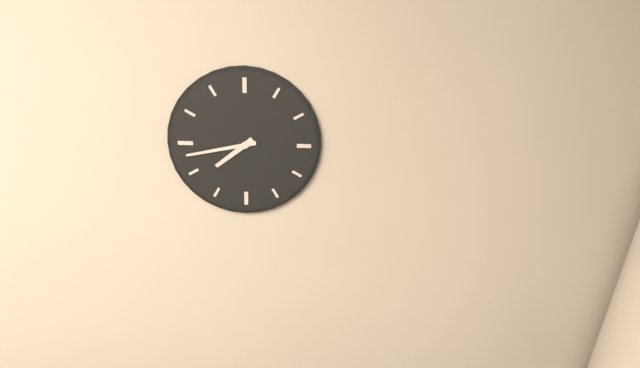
7:43
